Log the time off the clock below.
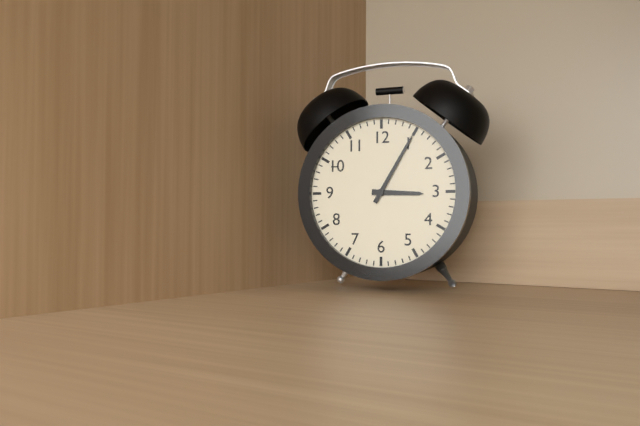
3:05
